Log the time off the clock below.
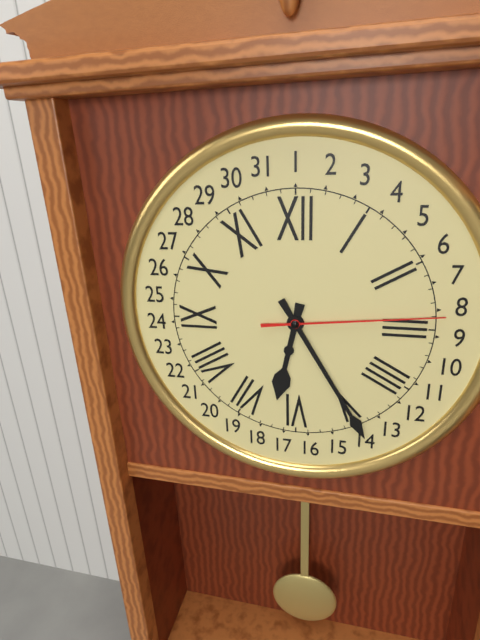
6:25:14
